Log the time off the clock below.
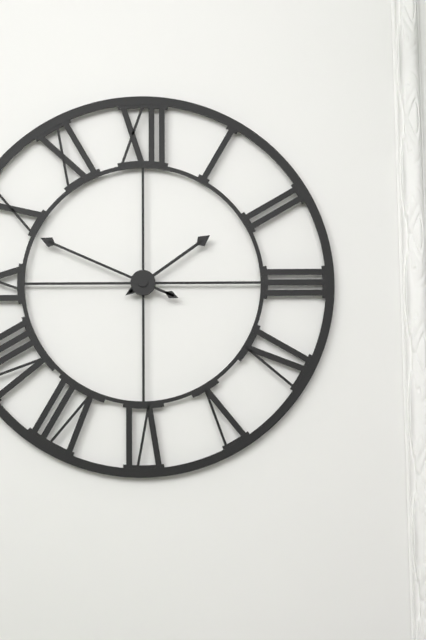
1:49
